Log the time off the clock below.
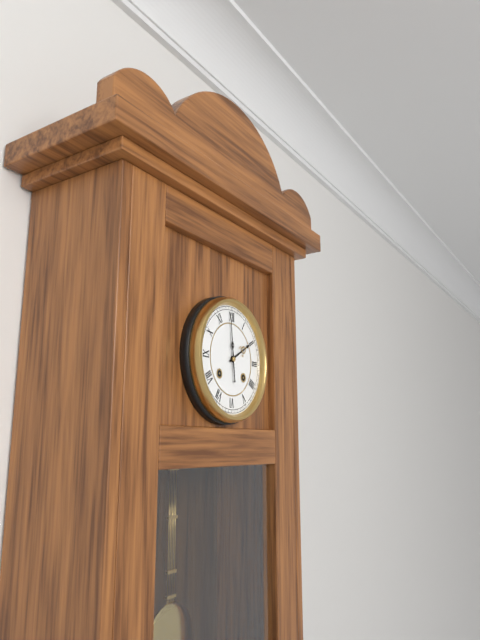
1:59
